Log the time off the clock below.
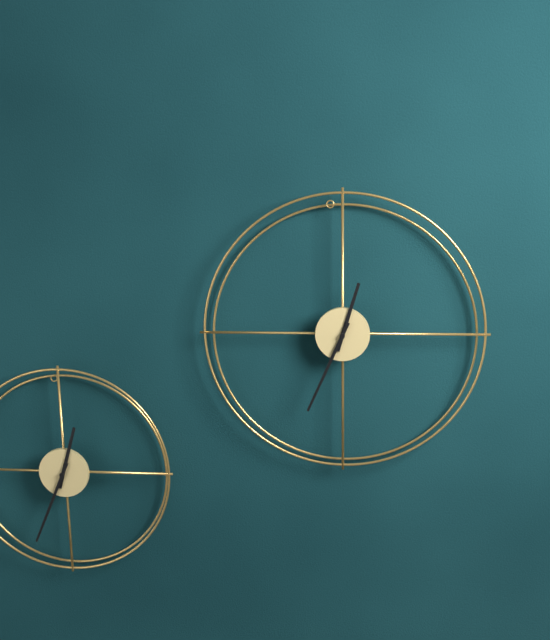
12:34
